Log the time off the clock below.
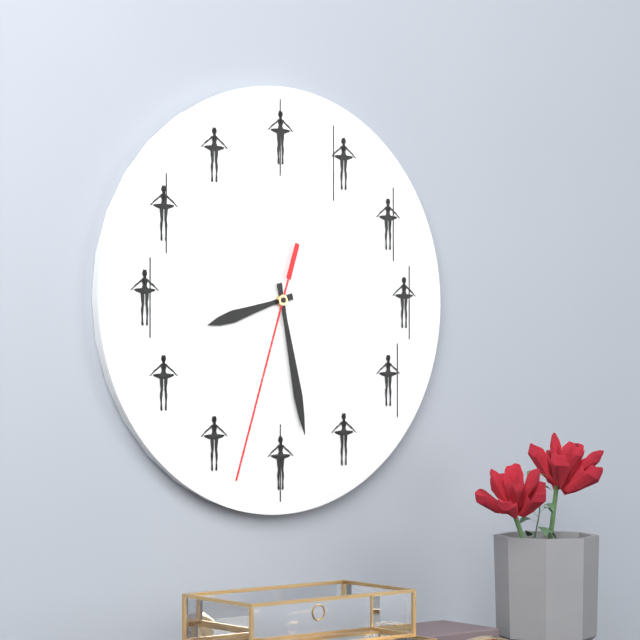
8:28:33
